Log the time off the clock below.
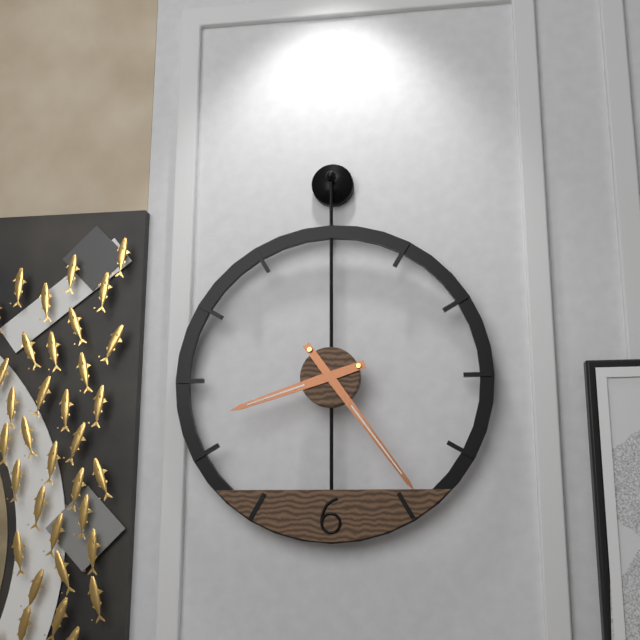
8:24
